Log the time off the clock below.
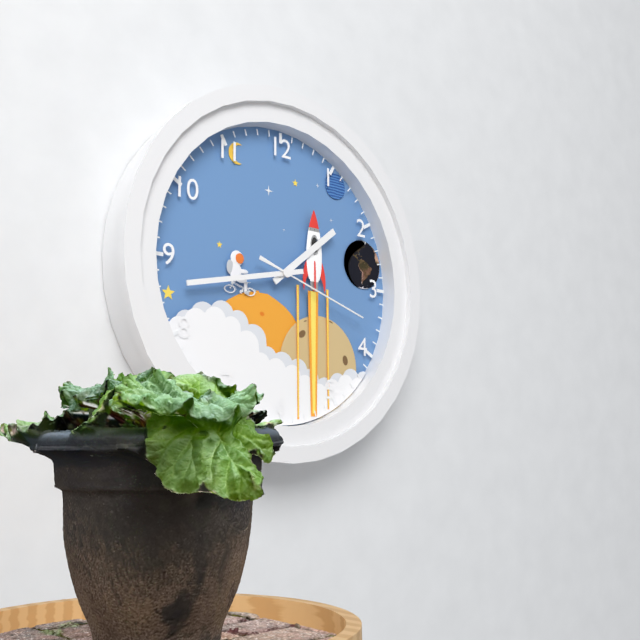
1:43:18
